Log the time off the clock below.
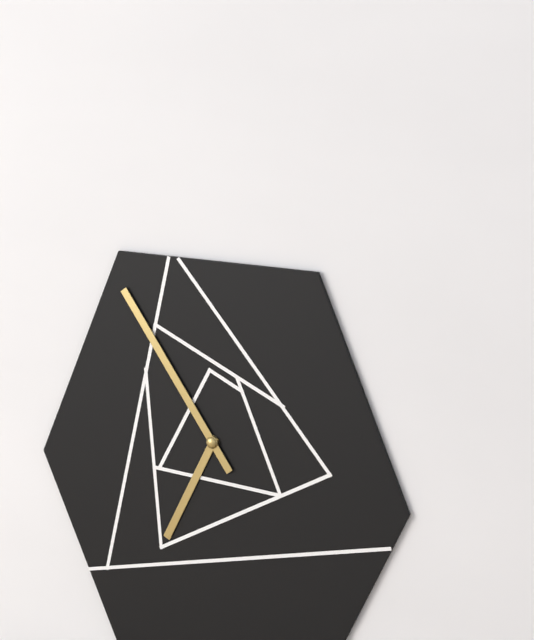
6:54
